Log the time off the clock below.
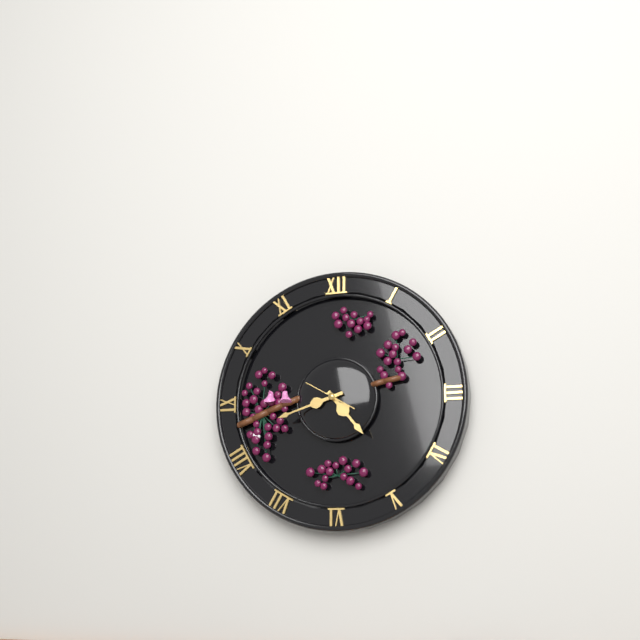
4:42
